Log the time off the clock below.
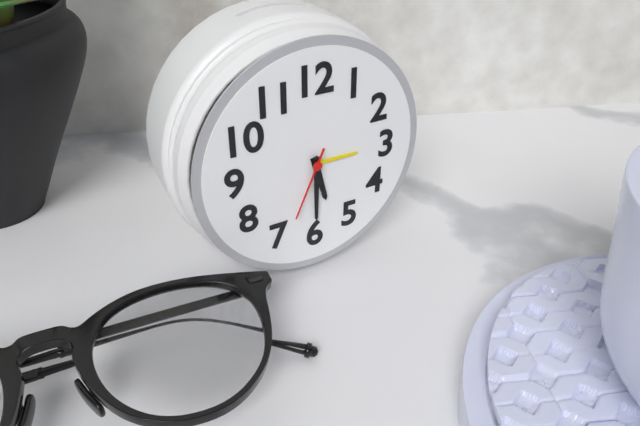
5:30:34
